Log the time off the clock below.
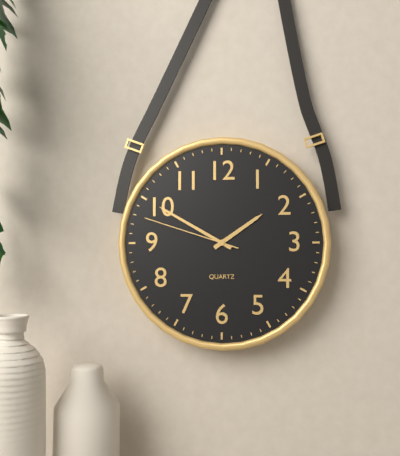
1:50:48
